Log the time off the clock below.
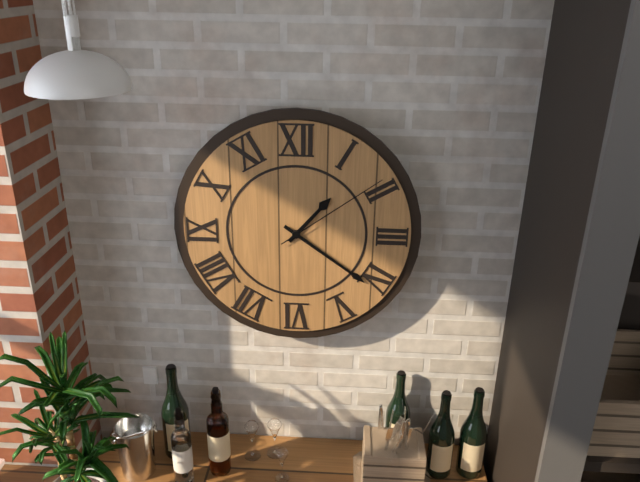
1:21:09
